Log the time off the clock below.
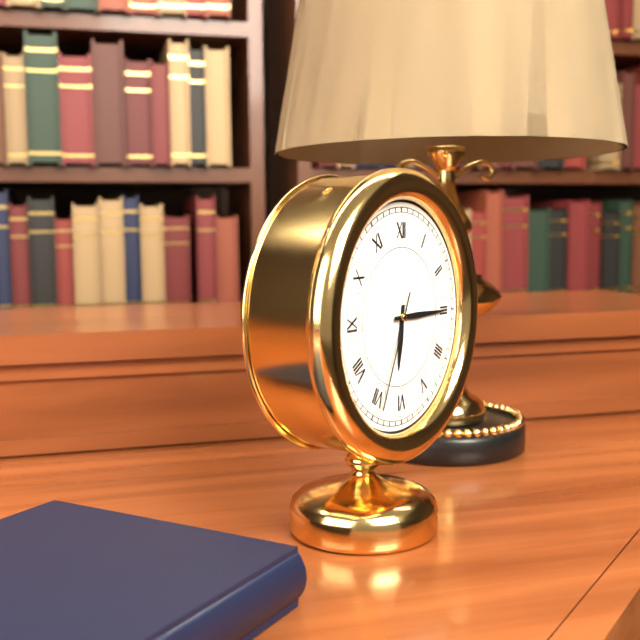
6:15:34
